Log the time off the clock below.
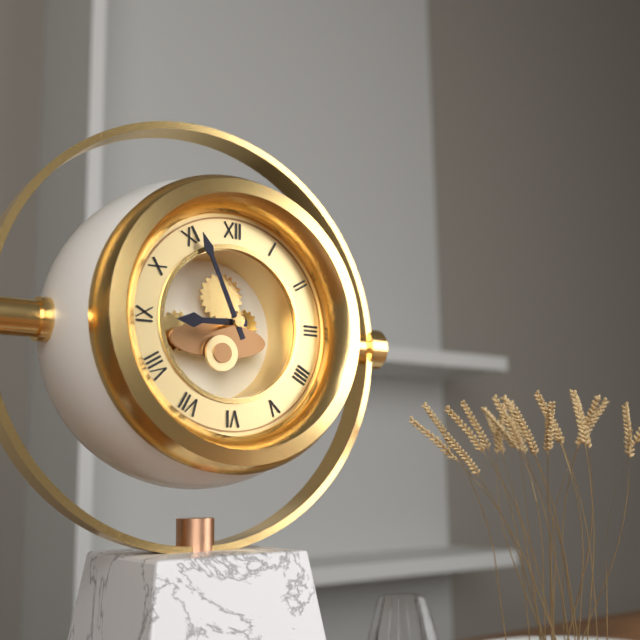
8:56
